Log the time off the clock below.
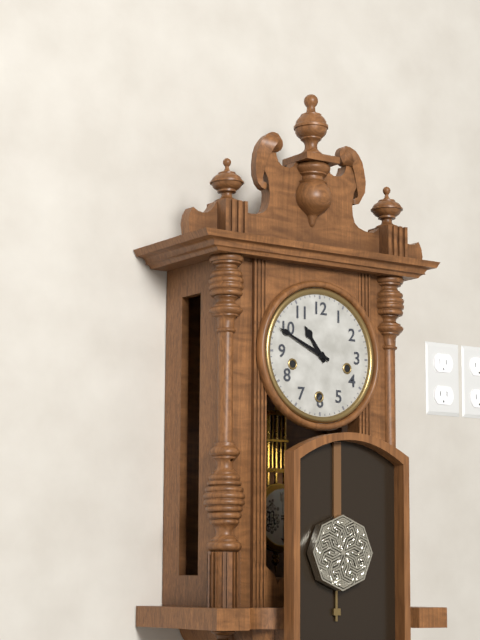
10:49
